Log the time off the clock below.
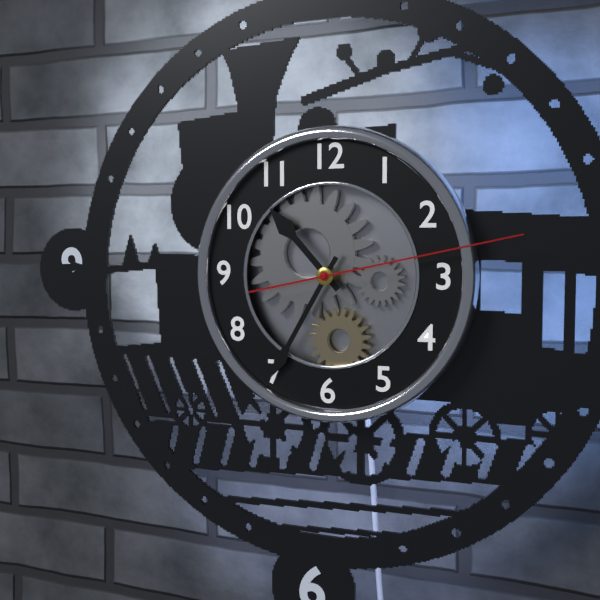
10:35:13
